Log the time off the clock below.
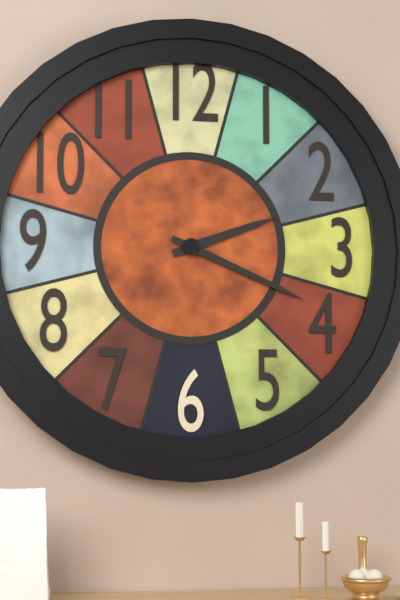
2:19
